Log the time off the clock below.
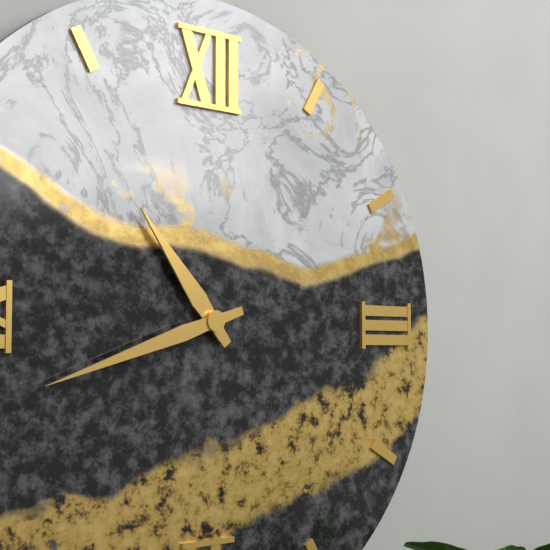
10:42
